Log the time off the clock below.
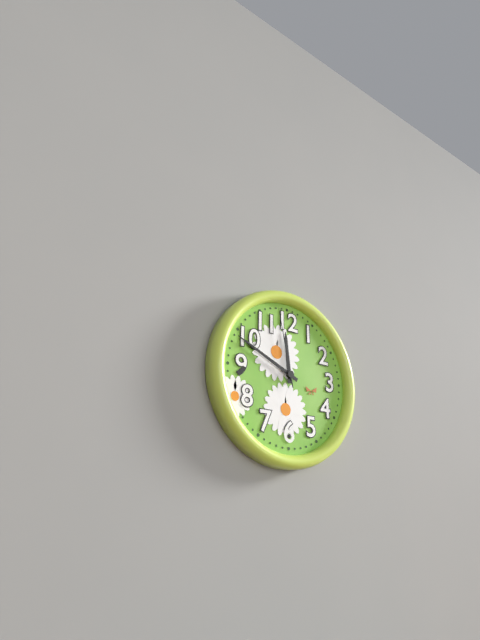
11:49:58
